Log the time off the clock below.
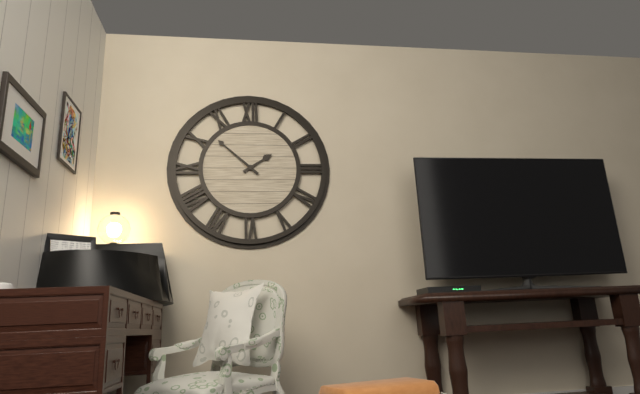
1:52
